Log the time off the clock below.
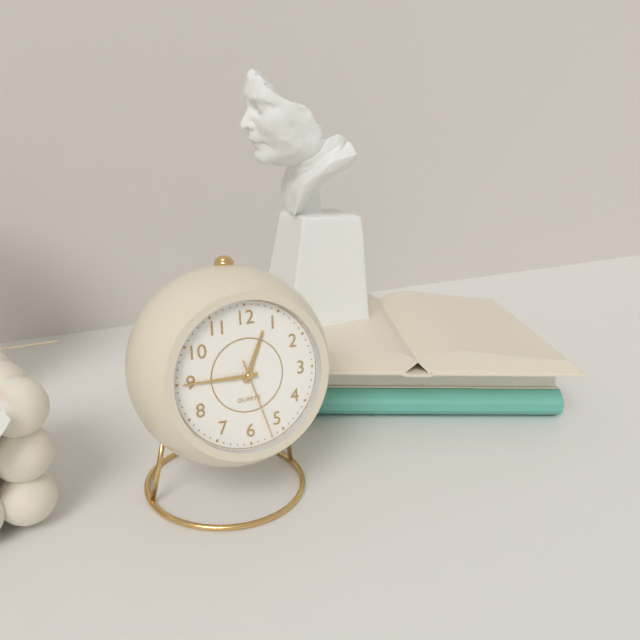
12:45:27
